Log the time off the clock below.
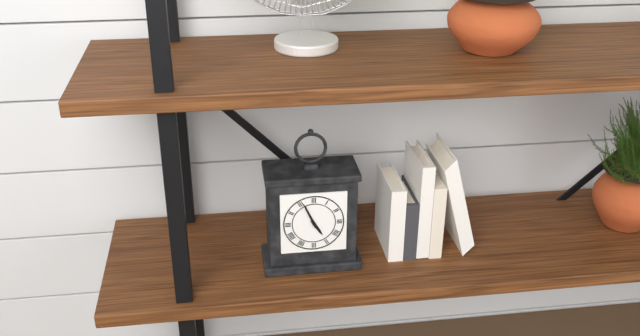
4:56
